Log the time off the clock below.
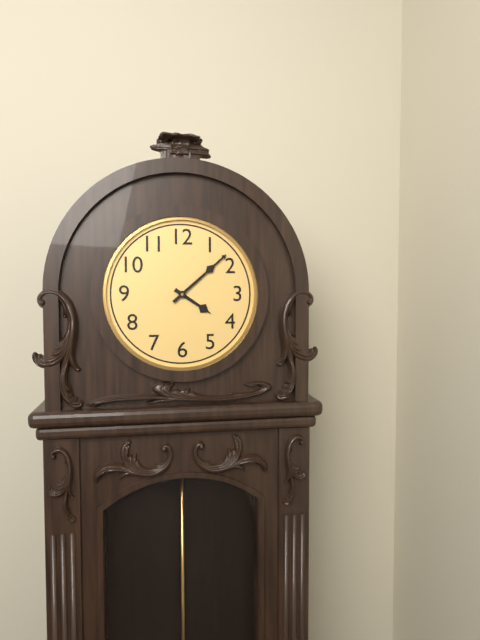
4:08
